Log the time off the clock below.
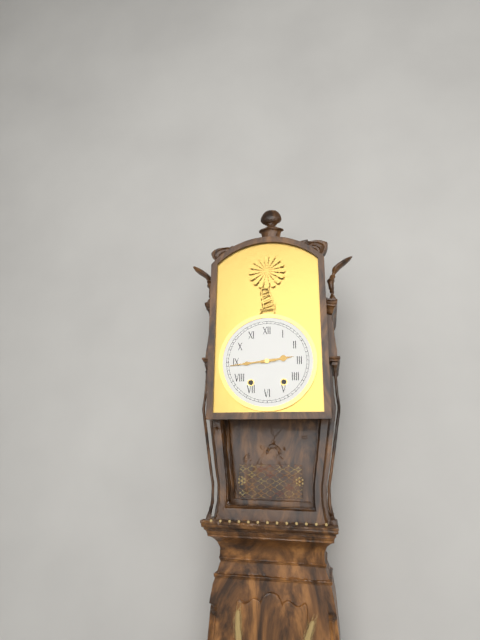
2:44
